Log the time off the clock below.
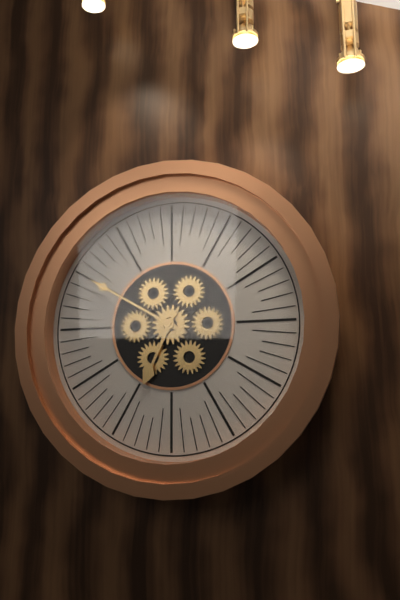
6:50
